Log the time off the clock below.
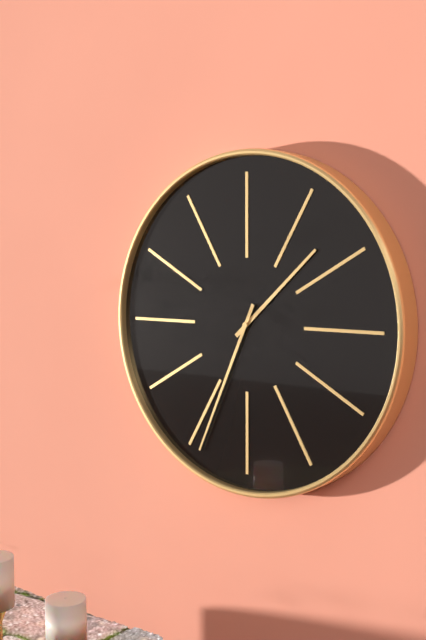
1:34
